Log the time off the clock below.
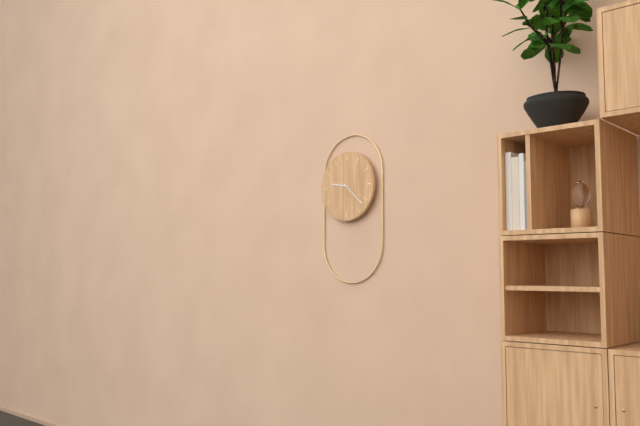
9:22
